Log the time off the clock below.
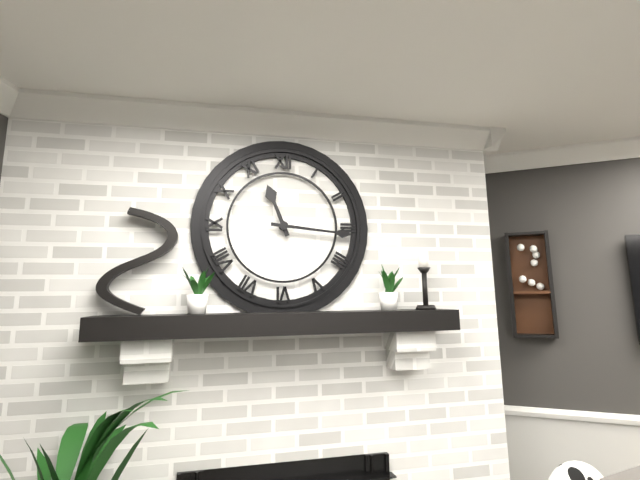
11:16
